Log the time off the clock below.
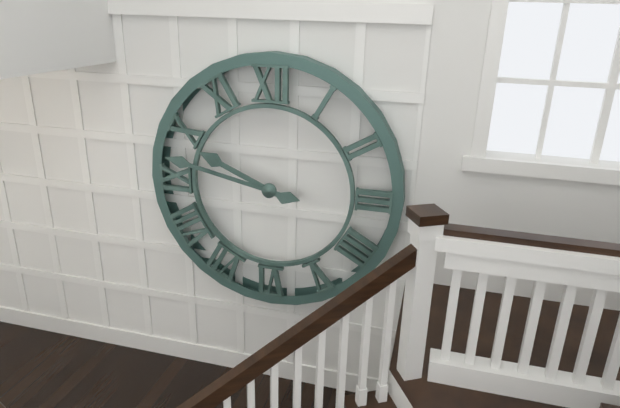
9:47
